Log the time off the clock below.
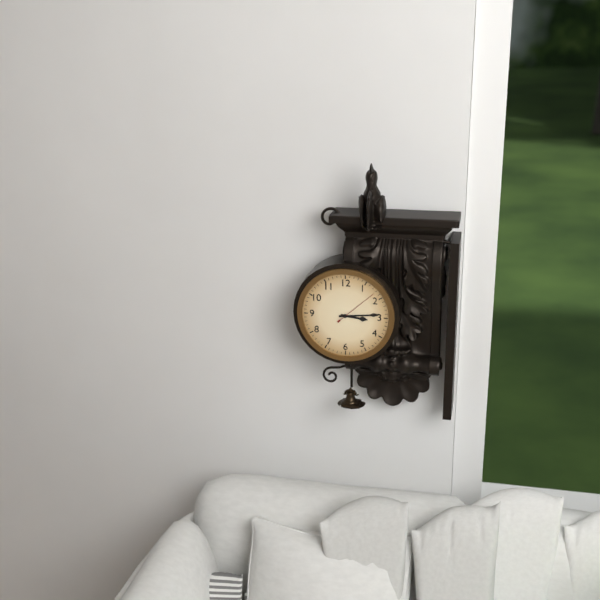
3:14
